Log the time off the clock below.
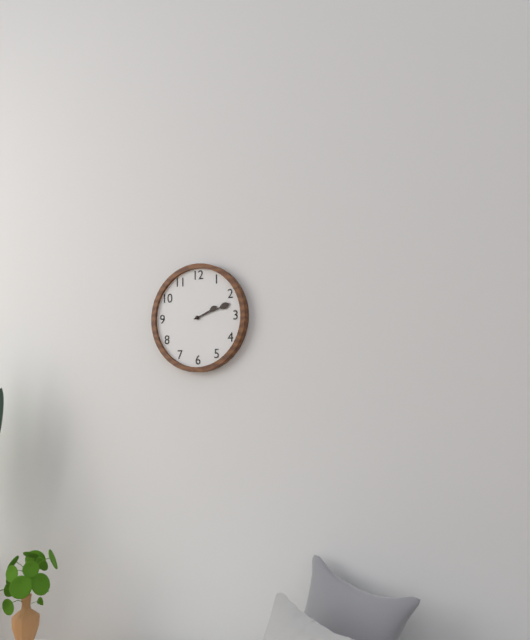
2:12
